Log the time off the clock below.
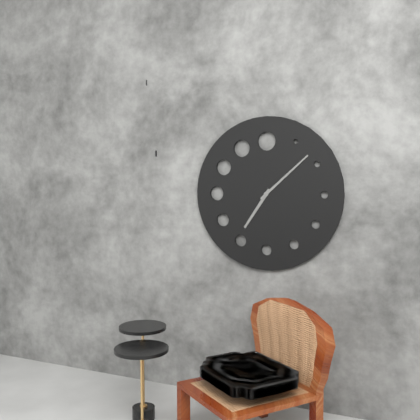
7:08
